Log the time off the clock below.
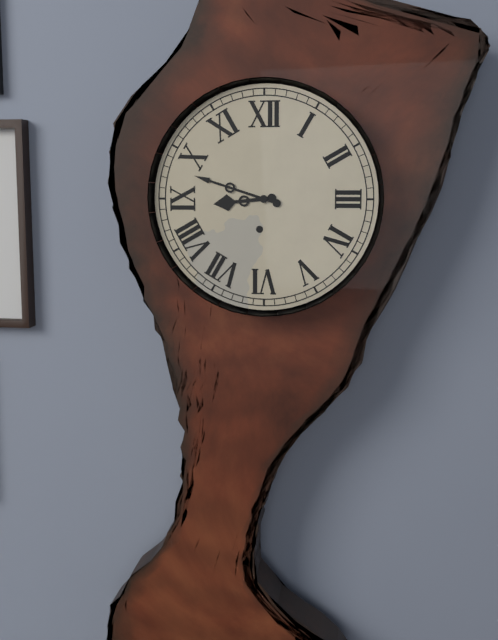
8:48
